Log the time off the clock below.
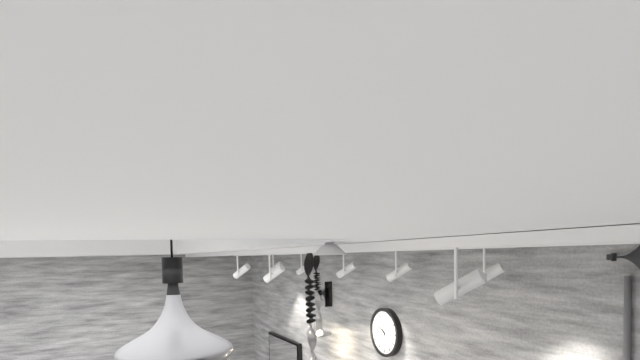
9:56
